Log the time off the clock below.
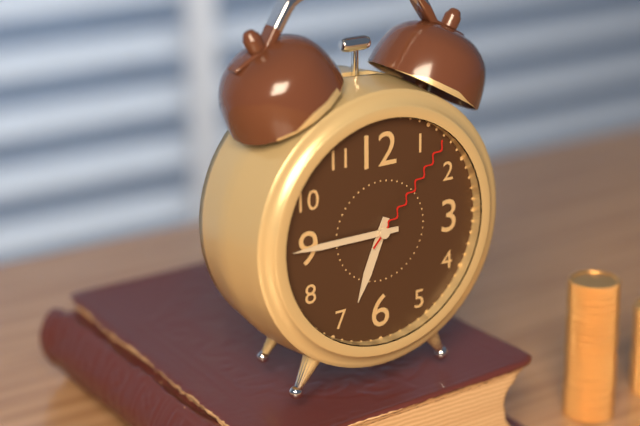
6:45:07
